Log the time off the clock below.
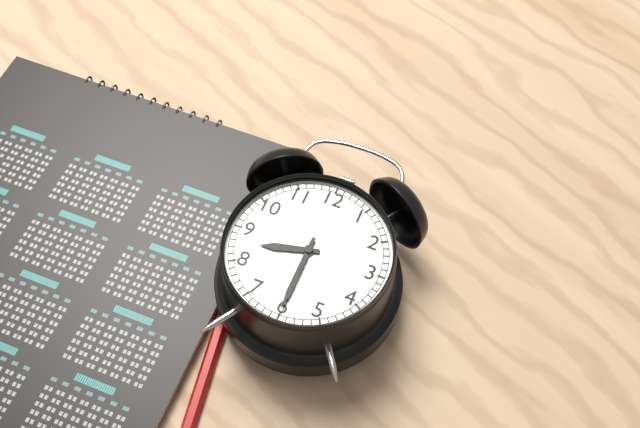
8:30
